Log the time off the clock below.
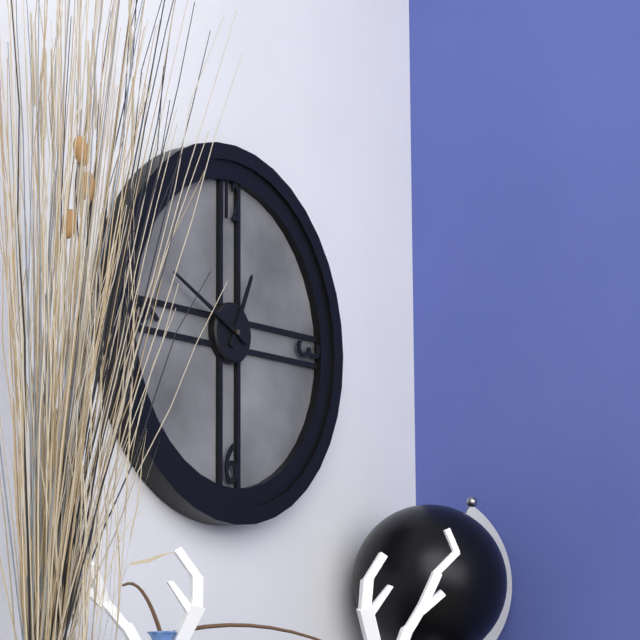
12:49
